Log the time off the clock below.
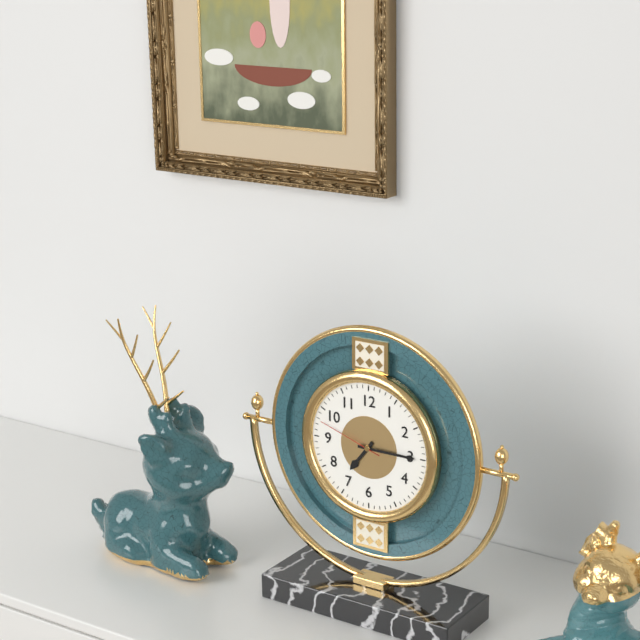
7:15:48
